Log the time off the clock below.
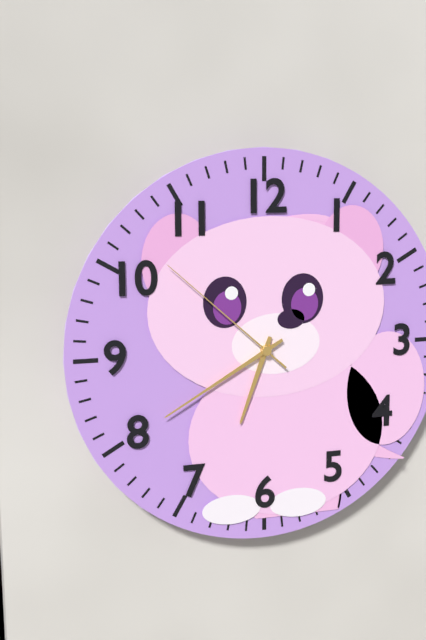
6:40:52
